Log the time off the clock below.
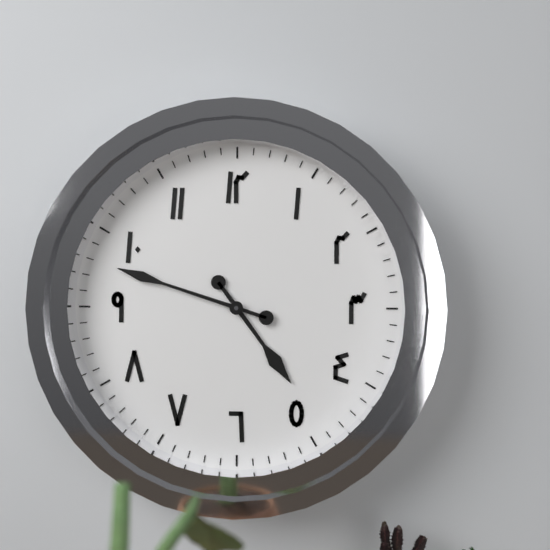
4:48
